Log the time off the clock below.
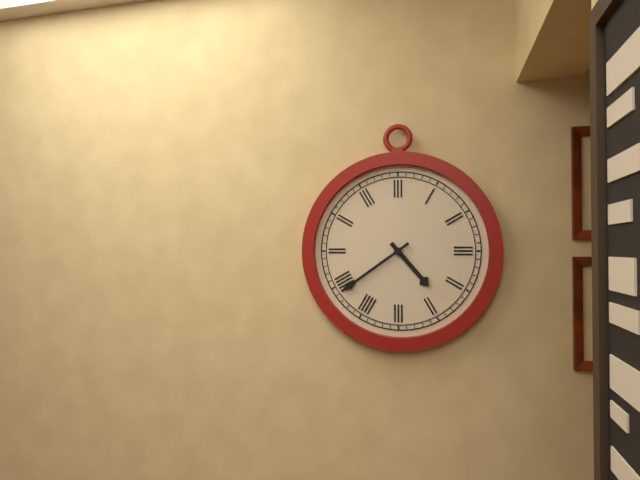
4:39
